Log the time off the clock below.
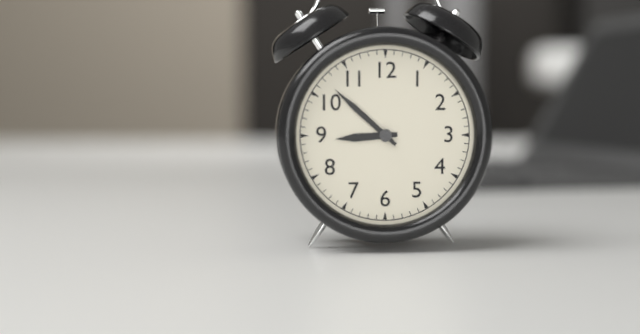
8:52
